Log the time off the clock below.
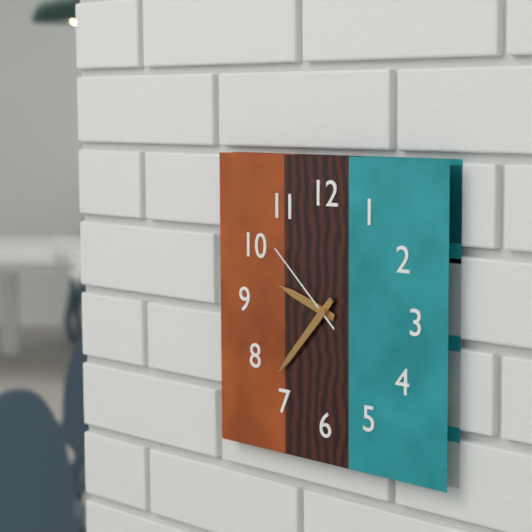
9:37:52
